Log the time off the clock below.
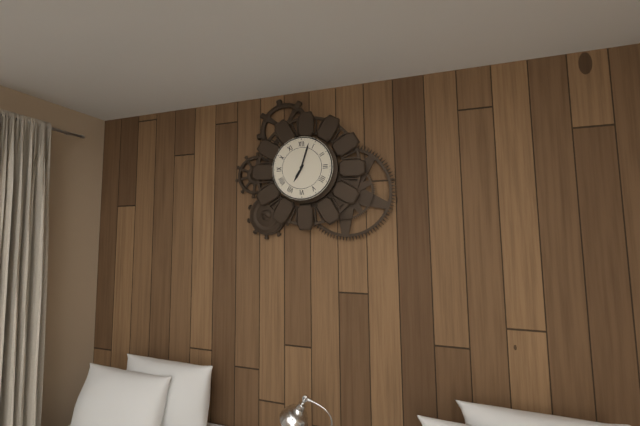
7:03
